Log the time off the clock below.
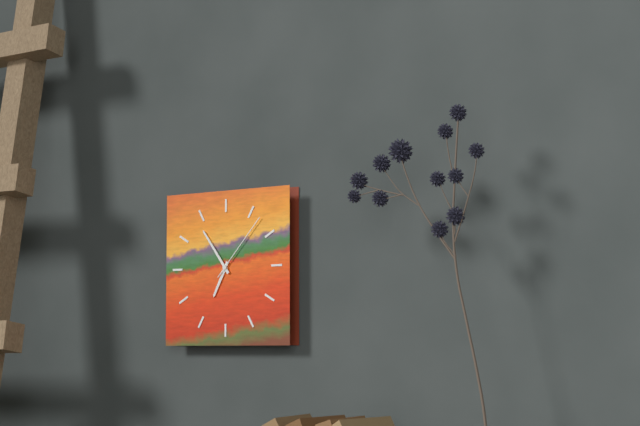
6:54:07
